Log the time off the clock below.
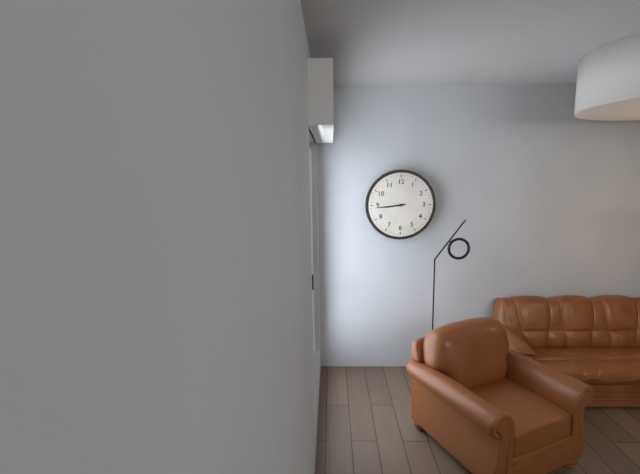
8:44
